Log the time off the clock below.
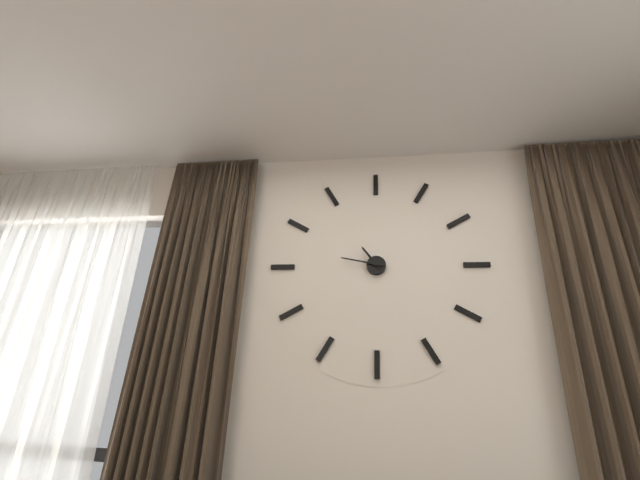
10:47
